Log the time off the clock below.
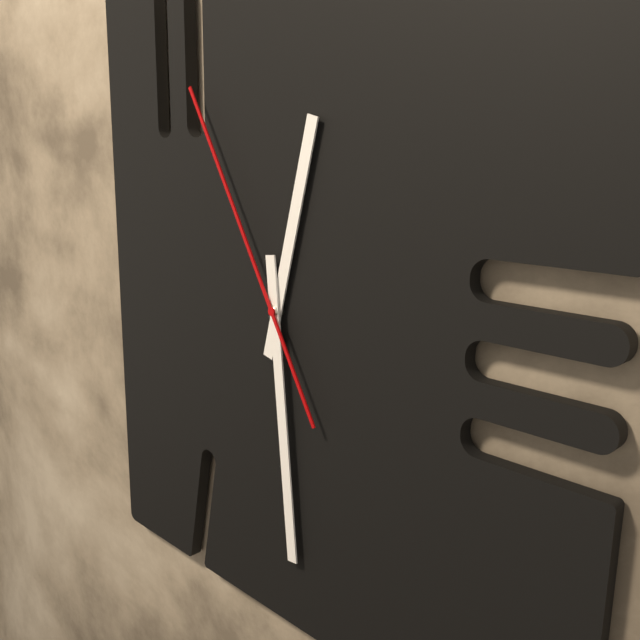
12:29:55
